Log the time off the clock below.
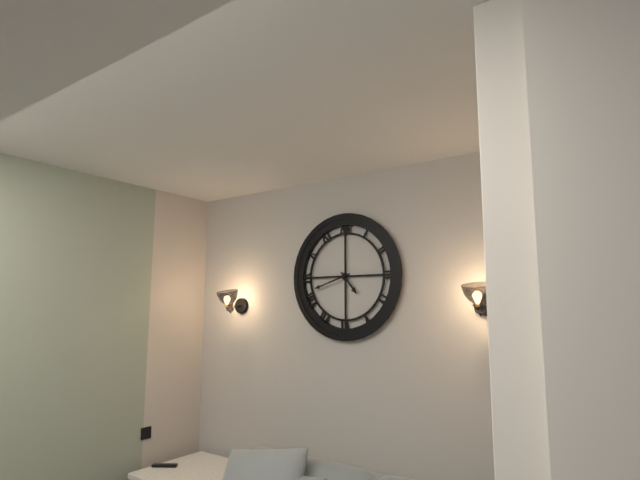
4:42
